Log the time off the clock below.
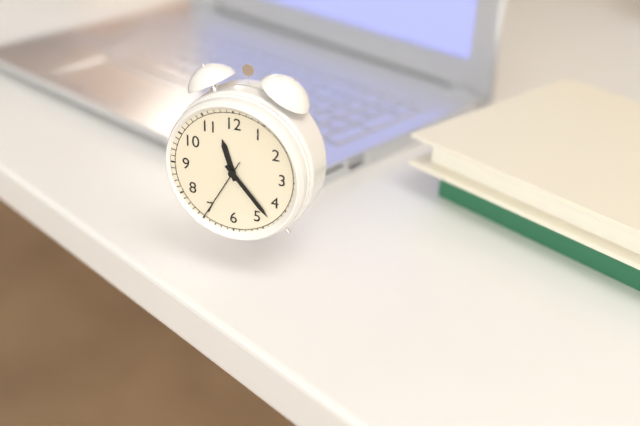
11:23:35
